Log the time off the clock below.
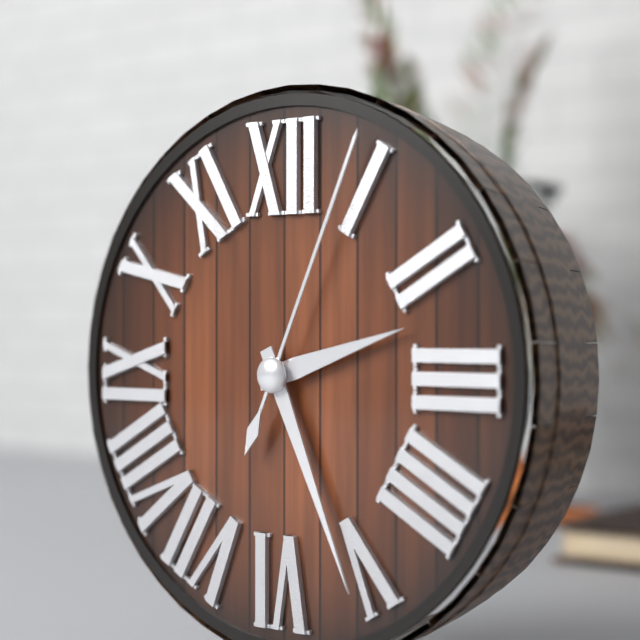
2:26:04
